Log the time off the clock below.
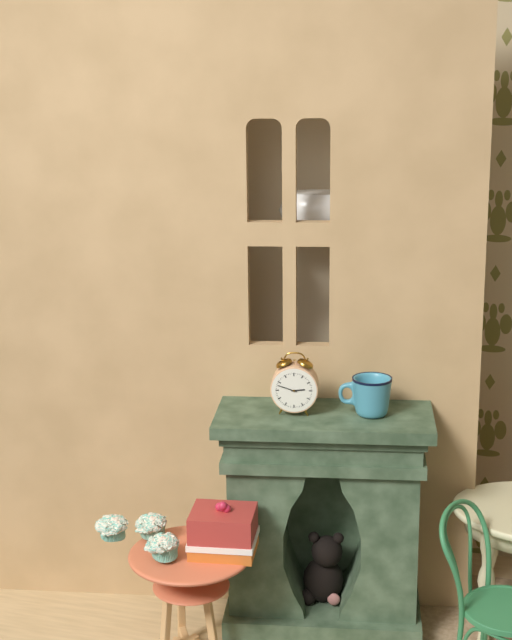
2:48
